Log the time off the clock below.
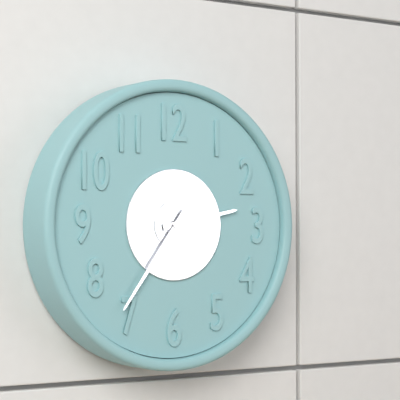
2:36
